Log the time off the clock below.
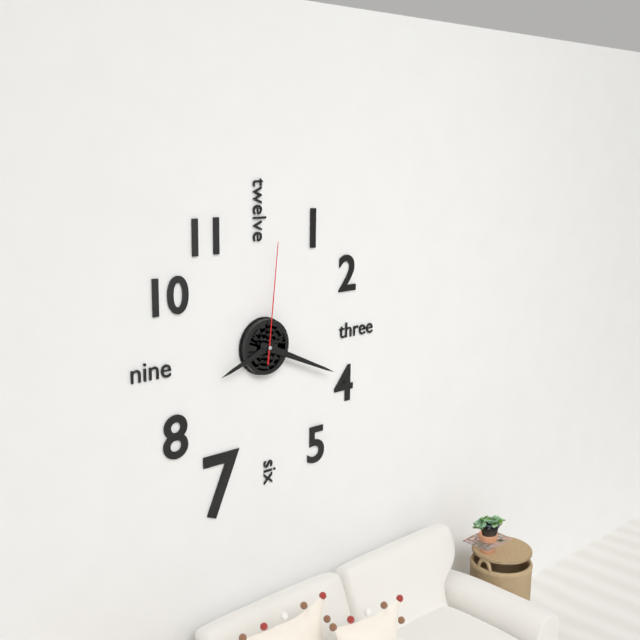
8:19:01
